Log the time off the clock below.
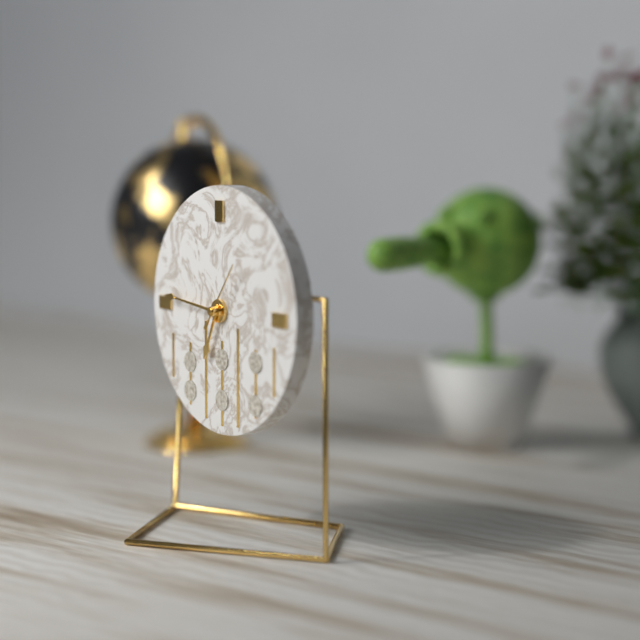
6:46:06
